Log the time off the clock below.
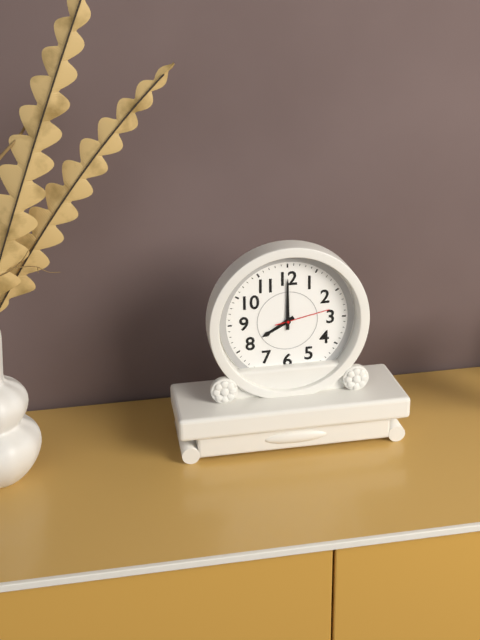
8:00:13
